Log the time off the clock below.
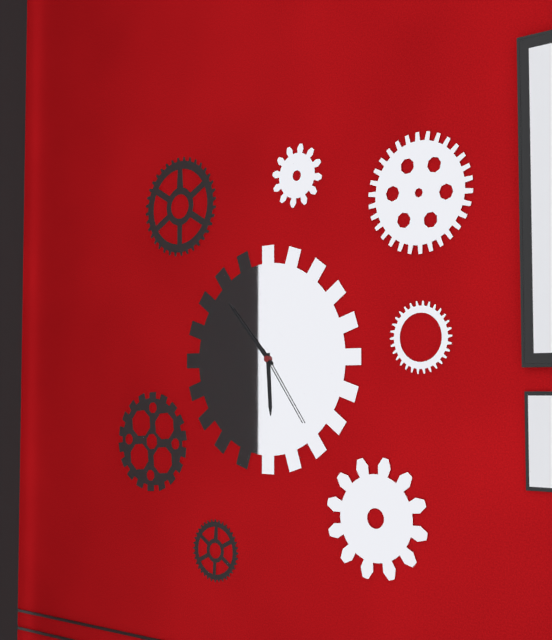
5:53:24
